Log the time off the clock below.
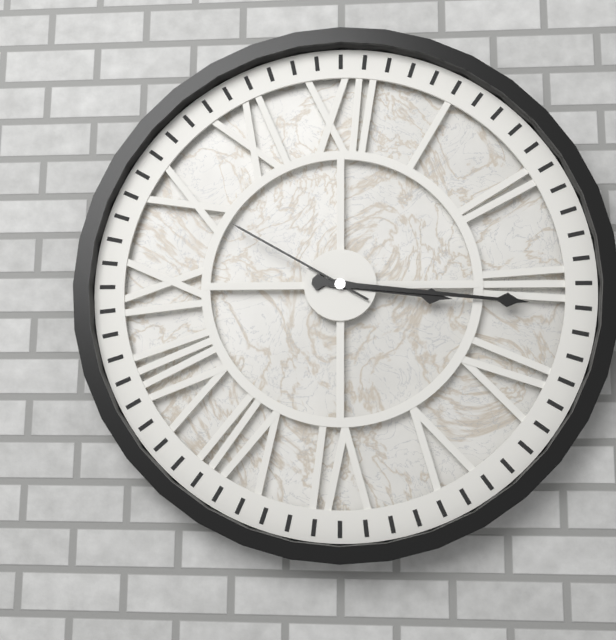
3:16:50
